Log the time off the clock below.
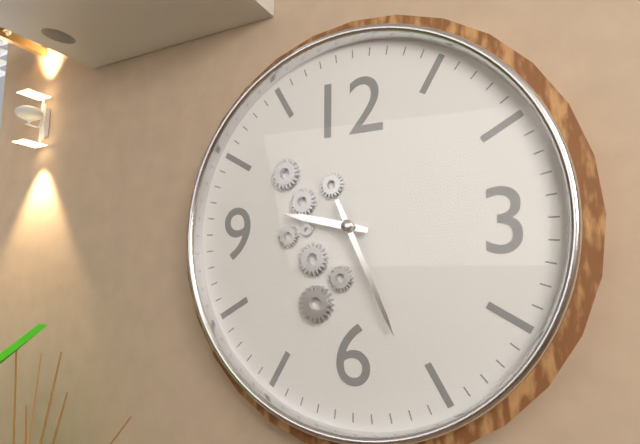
9:26
